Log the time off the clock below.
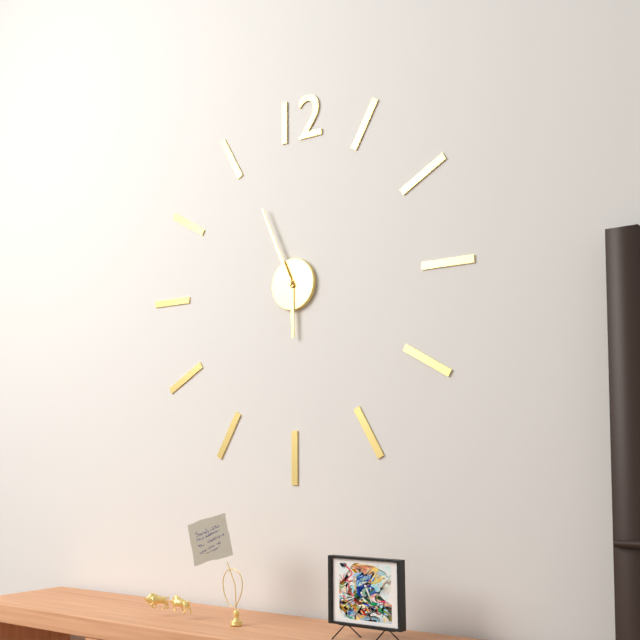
5:56
